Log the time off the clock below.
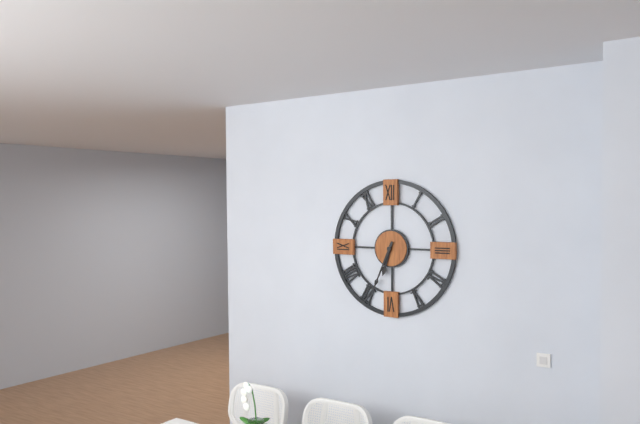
6:34
